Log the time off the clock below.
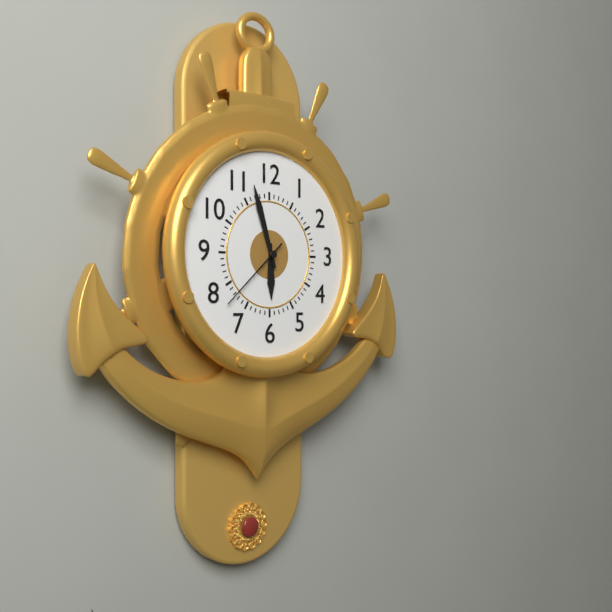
5:57:38
